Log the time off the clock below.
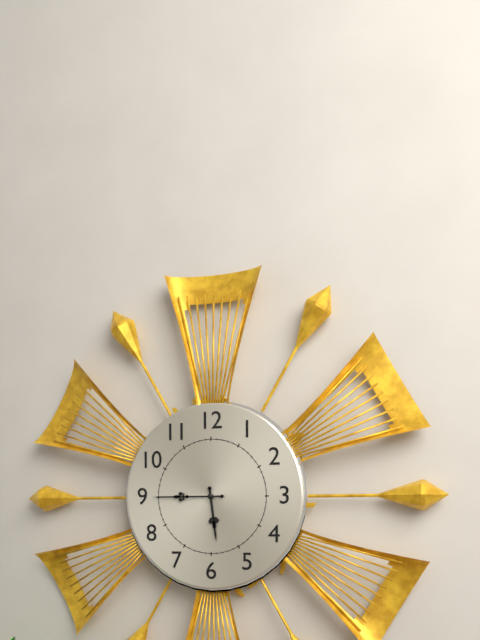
5:45
